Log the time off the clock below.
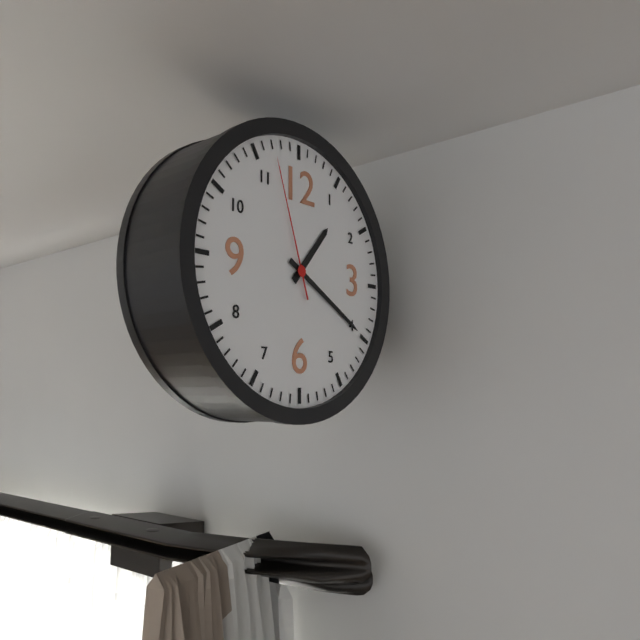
1:20:57
